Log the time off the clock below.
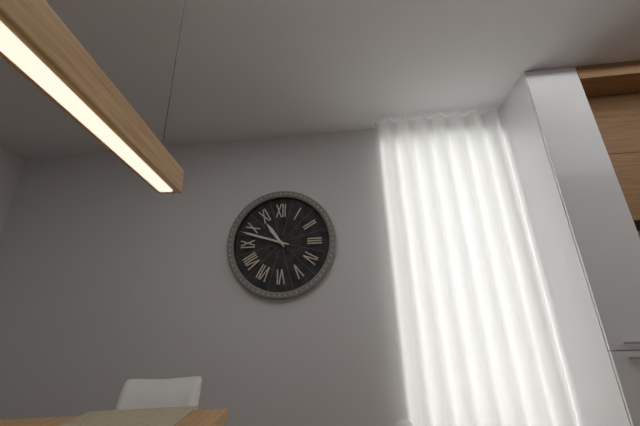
10:48
